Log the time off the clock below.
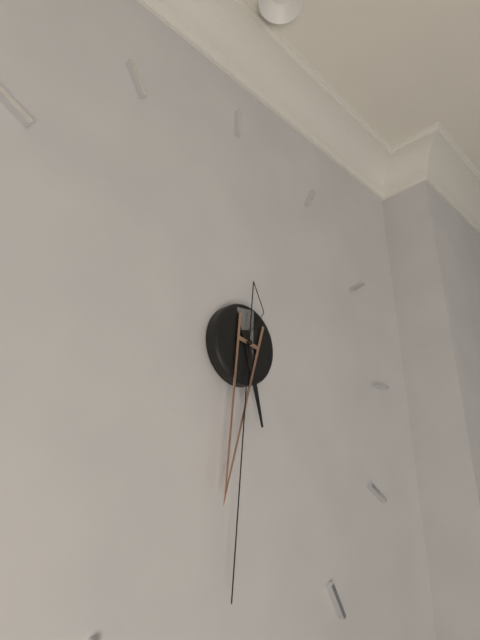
5:32:31
